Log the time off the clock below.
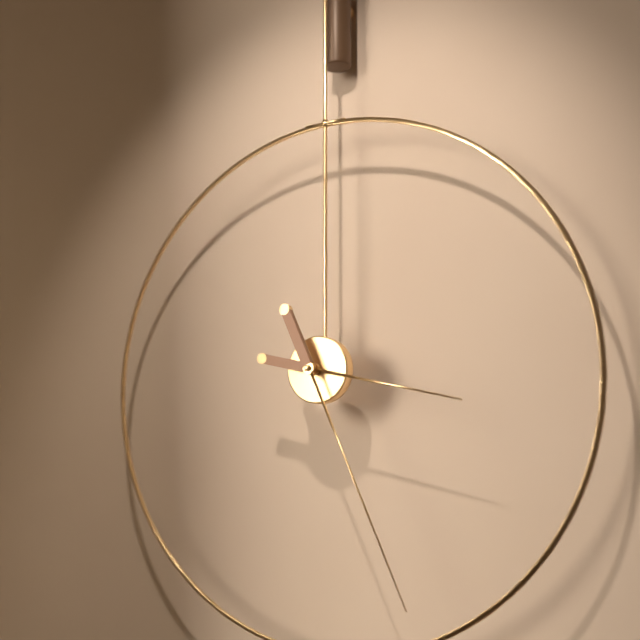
3:26
